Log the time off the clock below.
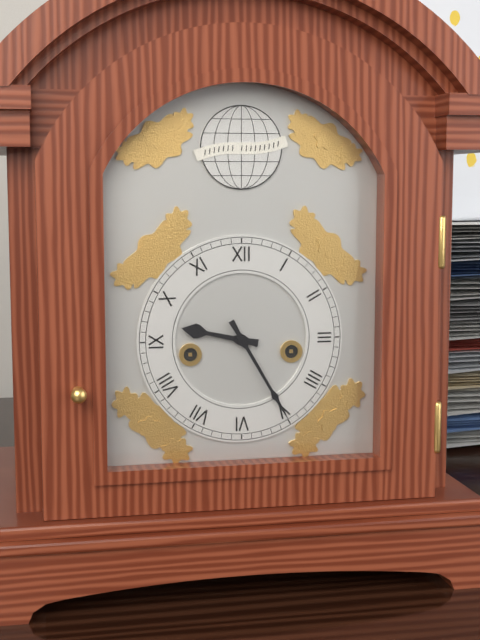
9:25
